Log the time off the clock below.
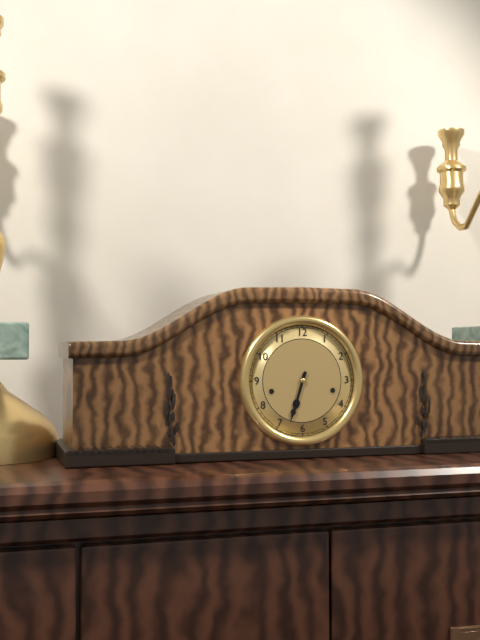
6:33
